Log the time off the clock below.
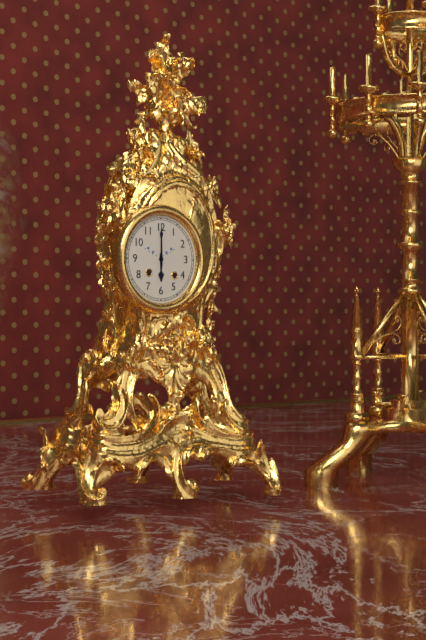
6:00
